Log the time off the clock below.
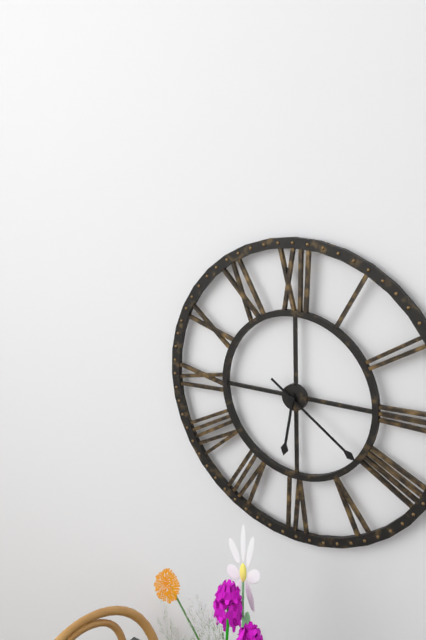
6:21
